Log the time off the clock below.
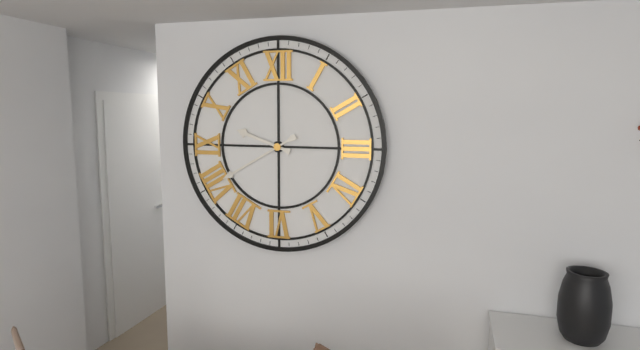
9:40
